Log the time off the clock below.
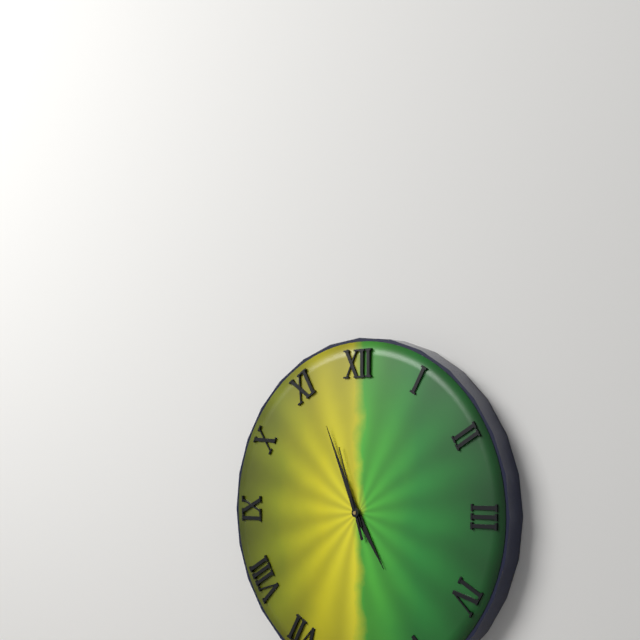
4:56:57
